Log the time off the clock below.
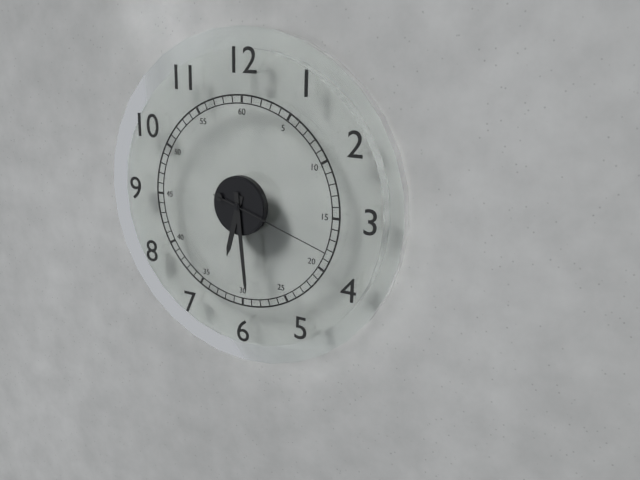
6:29:18
